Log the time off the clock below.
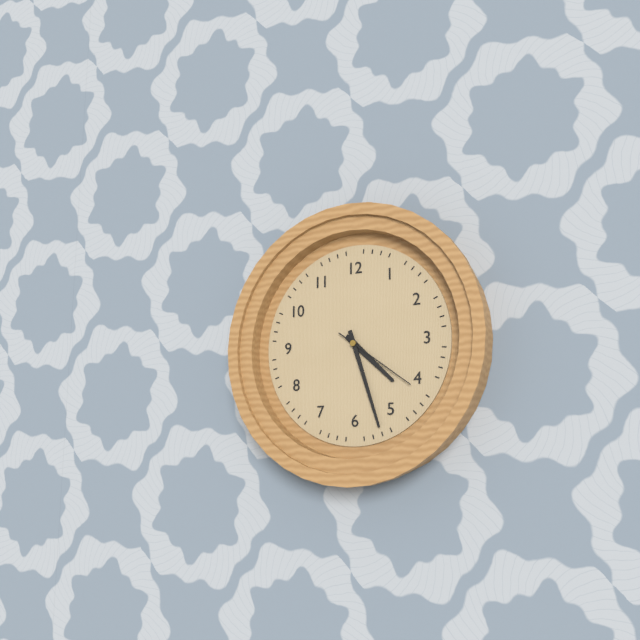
4:27:21
